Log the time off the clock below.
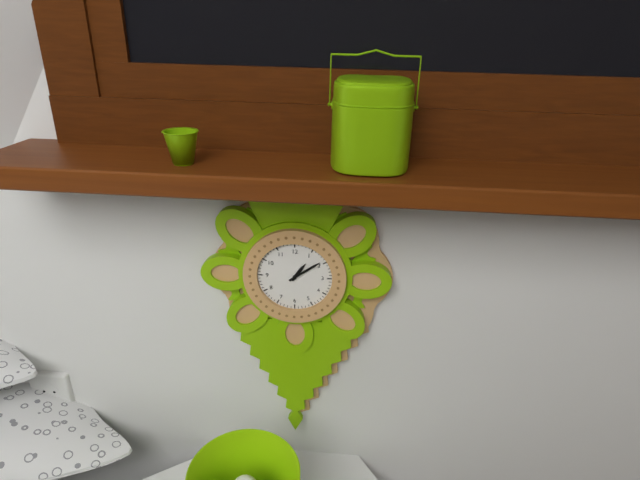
1:09
